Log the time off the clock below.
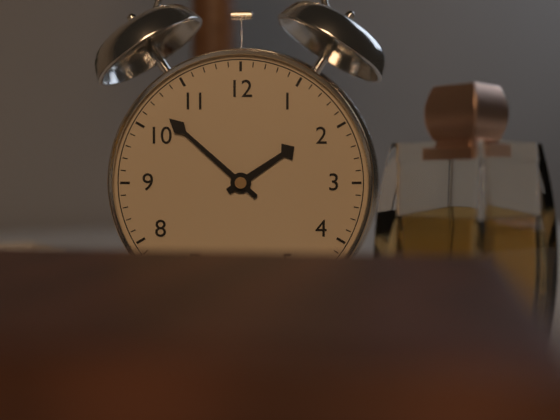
1:52
